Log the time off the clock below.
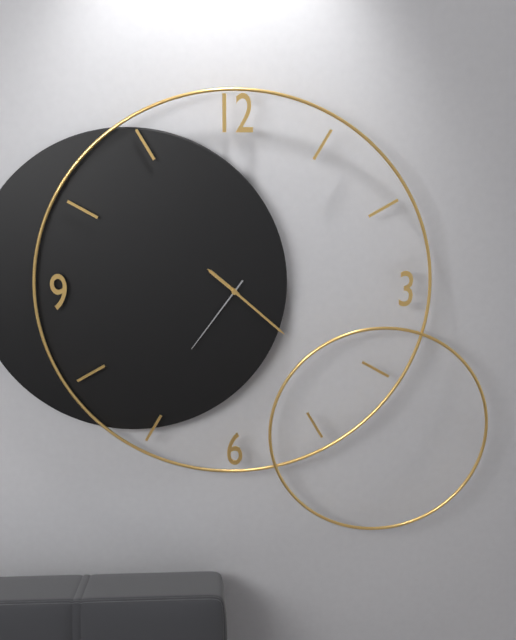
10:22:36
